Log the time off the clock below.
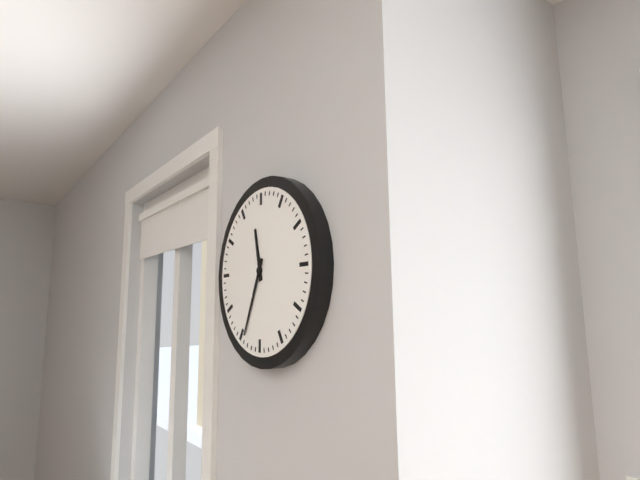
11:34
